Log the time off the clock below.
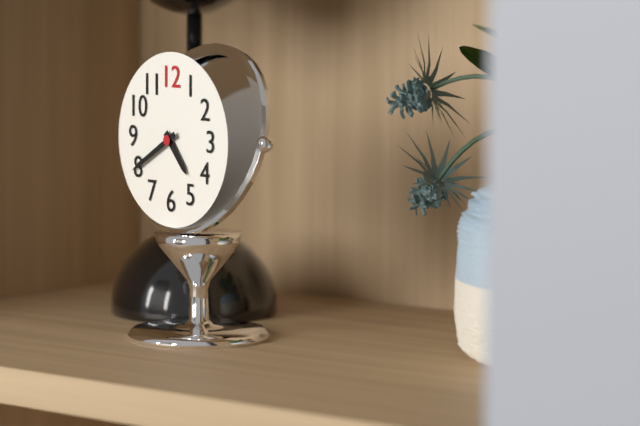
4:40
